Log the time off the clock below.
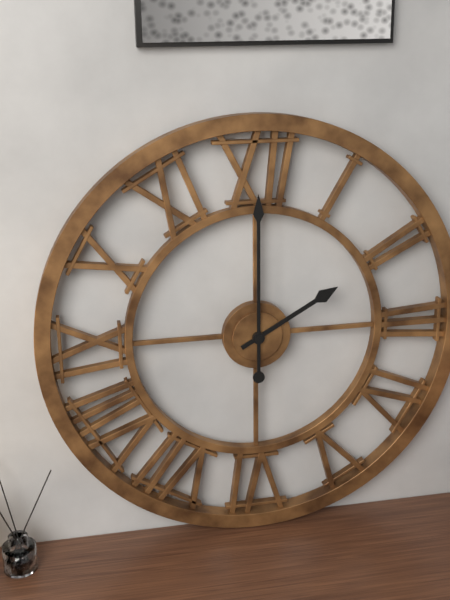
2:00
